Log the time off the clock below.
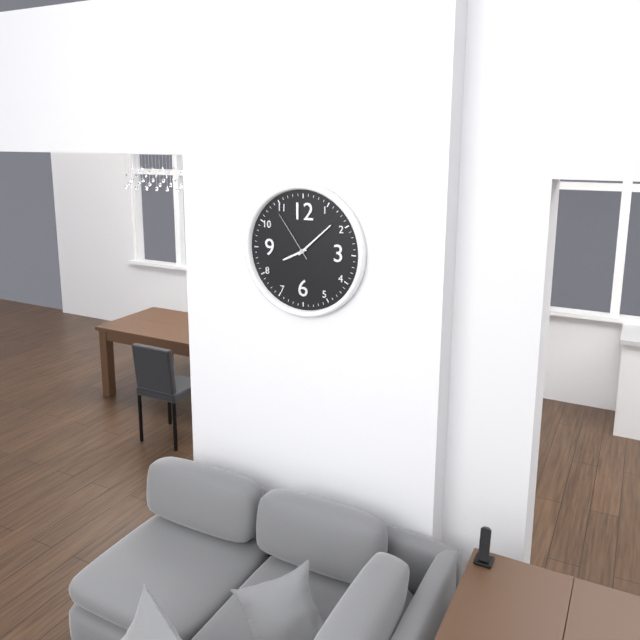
8:08:54
